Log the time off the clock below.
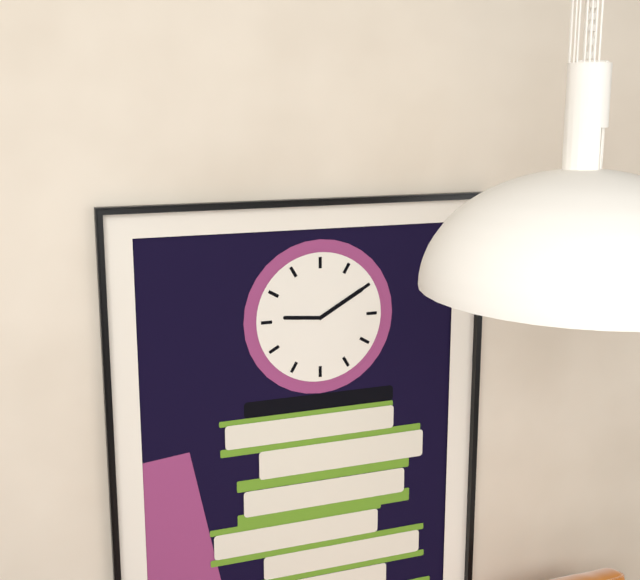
9:10
